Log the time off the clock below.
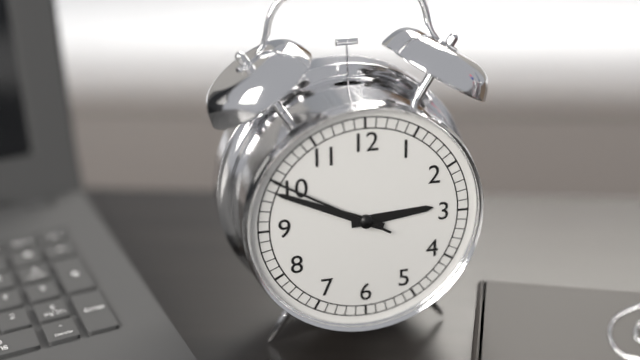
2:49:50
